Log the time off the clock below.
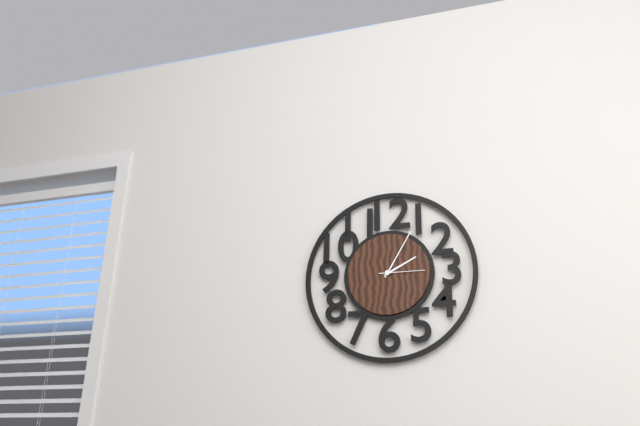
2:05
